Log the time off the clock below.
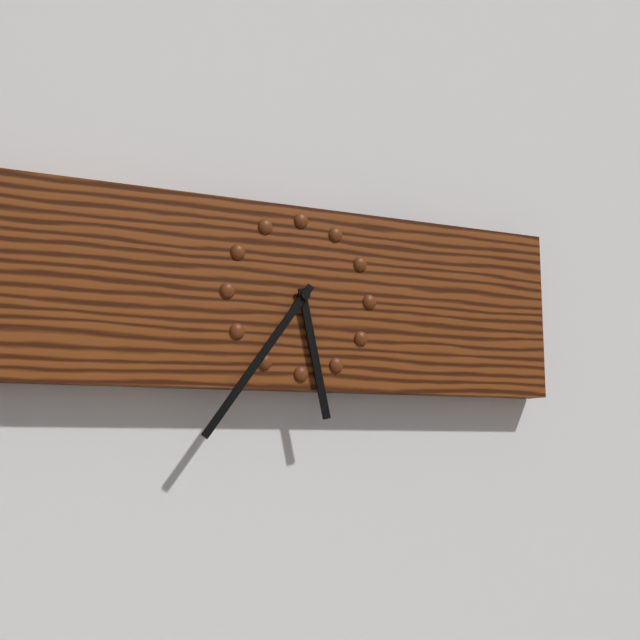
5:36
